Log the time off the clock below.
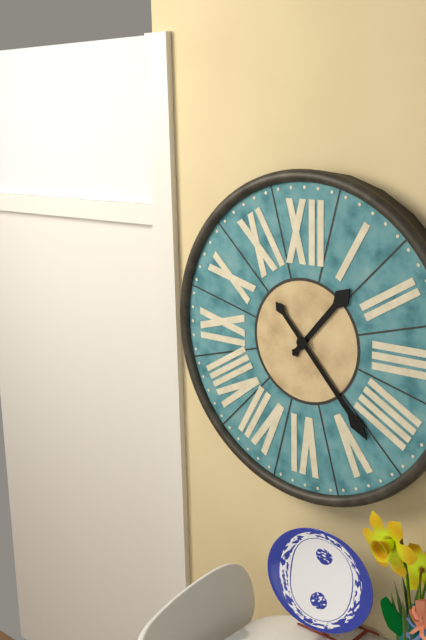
1:23
